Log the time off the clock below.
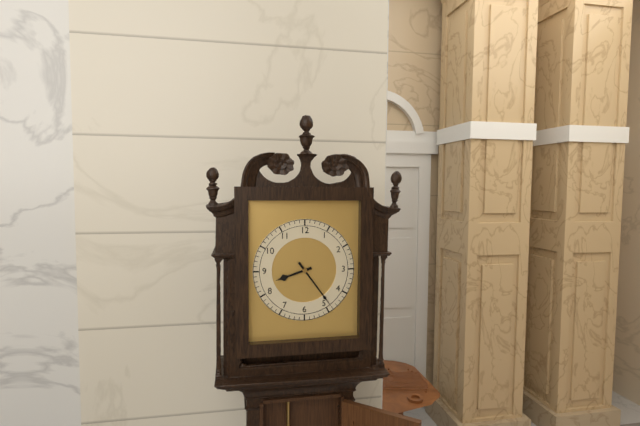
8:24
